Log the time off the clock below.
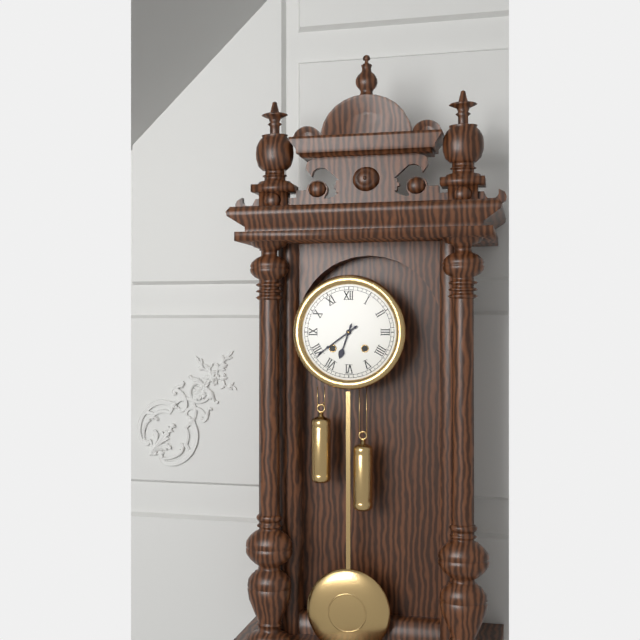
6:39
